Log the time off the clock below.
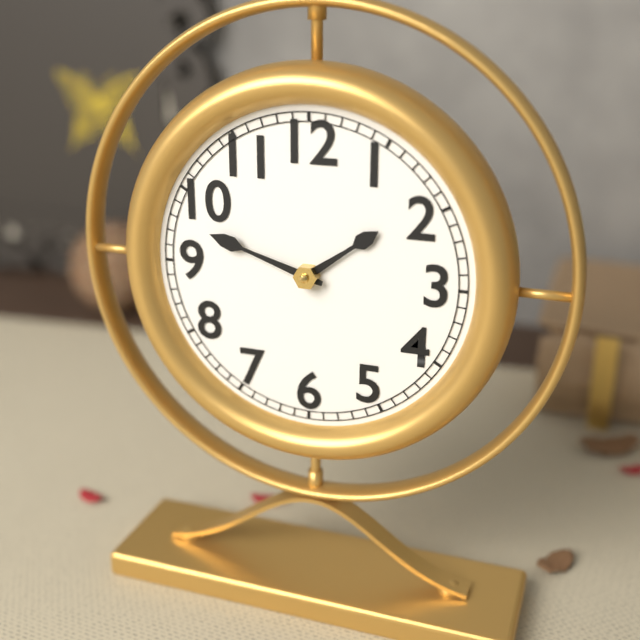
1:48
